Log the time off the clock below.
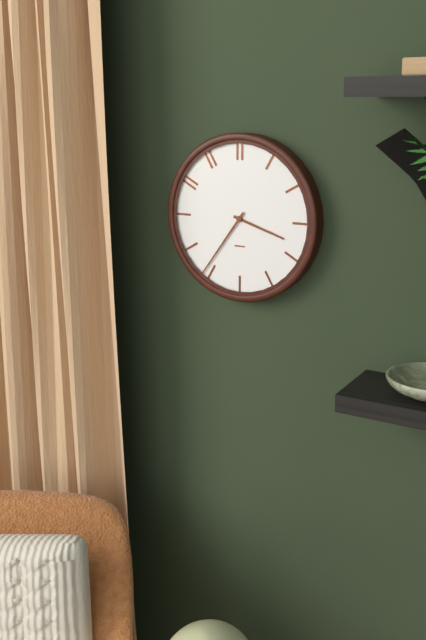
3:36
